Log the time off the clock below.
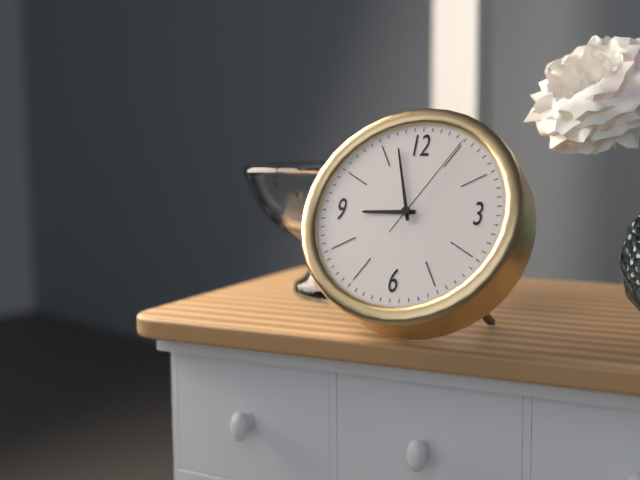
8:57:05
